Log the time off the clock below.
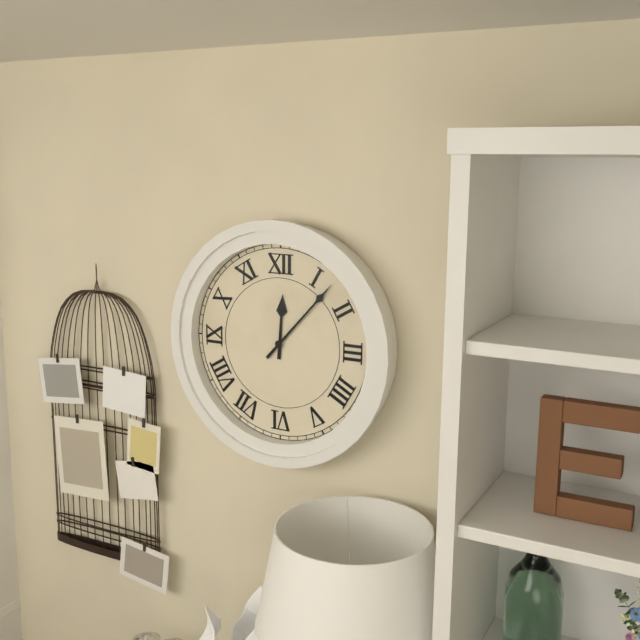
12:07
